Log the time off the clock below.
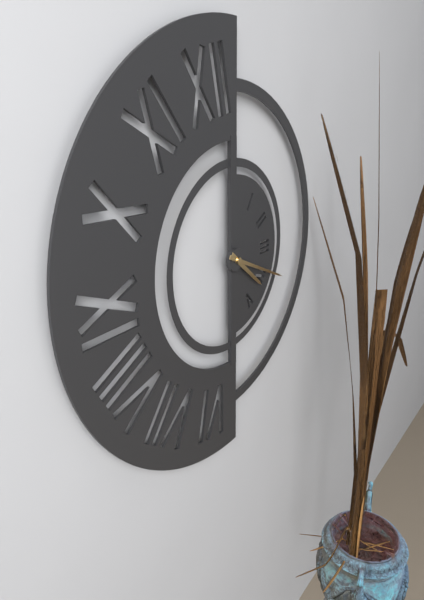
4:19
